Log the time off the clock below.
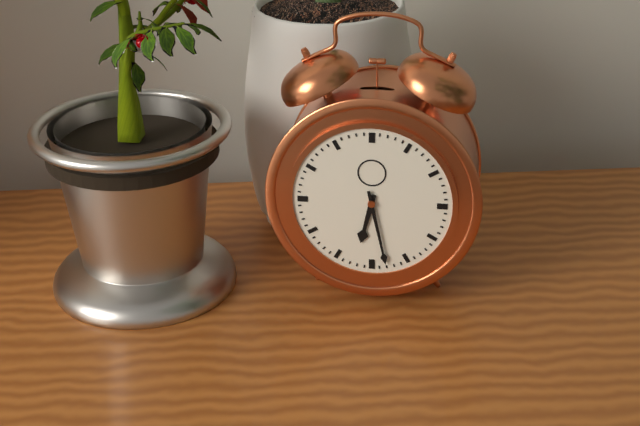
6:28
